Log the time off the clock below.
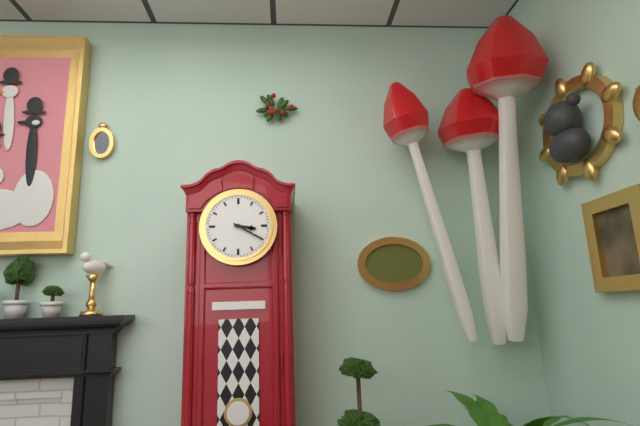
3:20
